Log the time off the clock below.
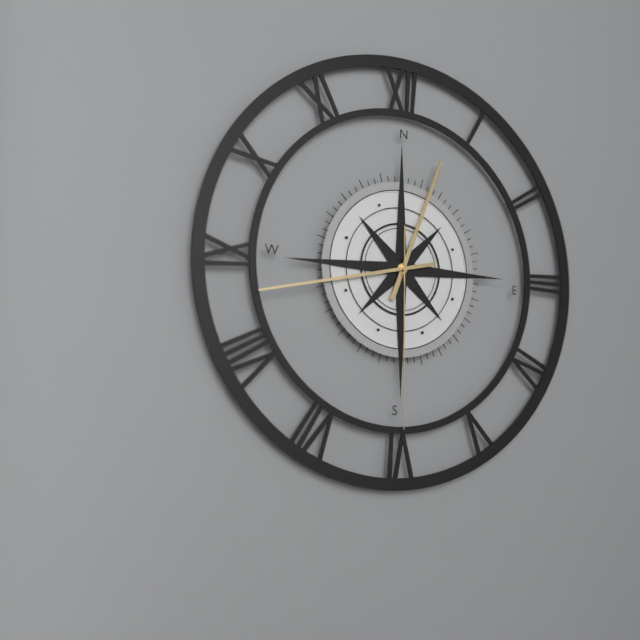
12:43:30
